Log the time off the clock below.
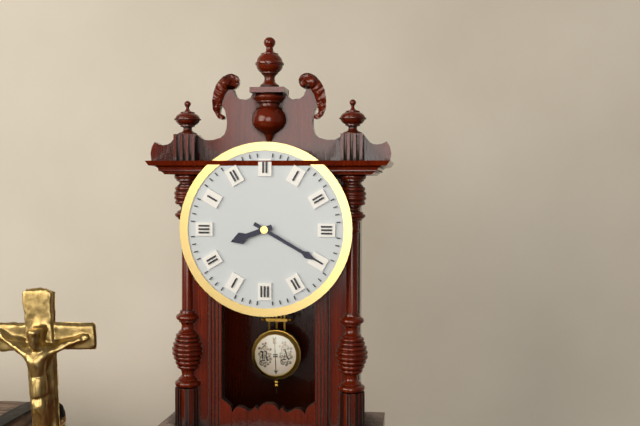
8:20
